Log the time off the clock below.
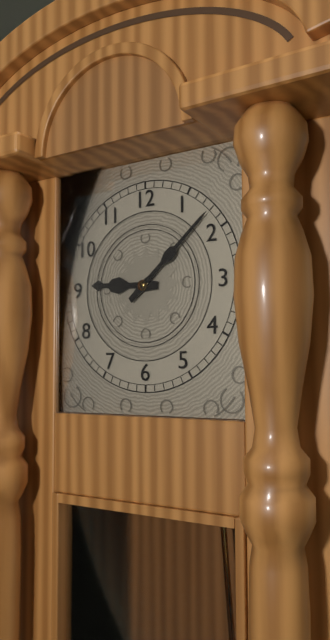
9:08
